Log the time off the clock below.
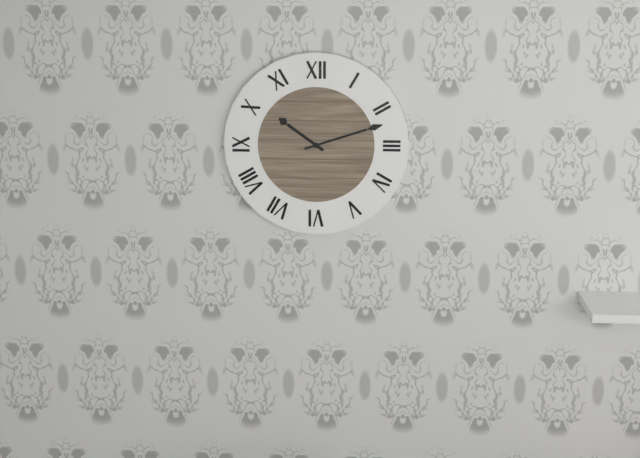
10:12
